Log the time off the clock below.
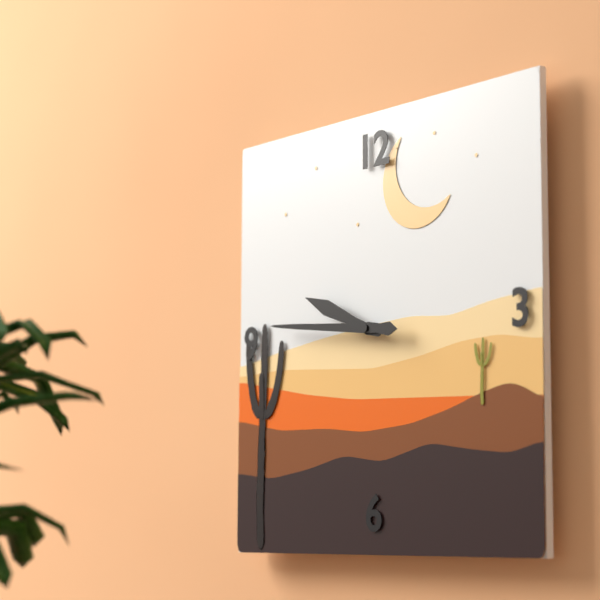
9:46
